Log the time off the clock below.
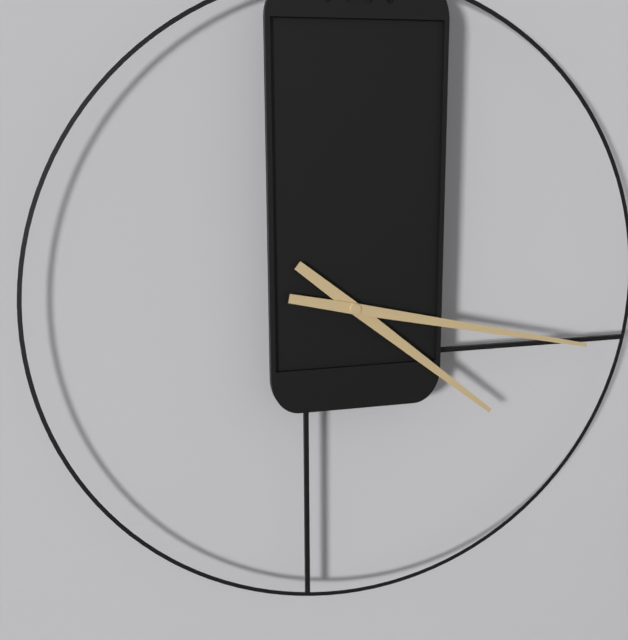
4:17
